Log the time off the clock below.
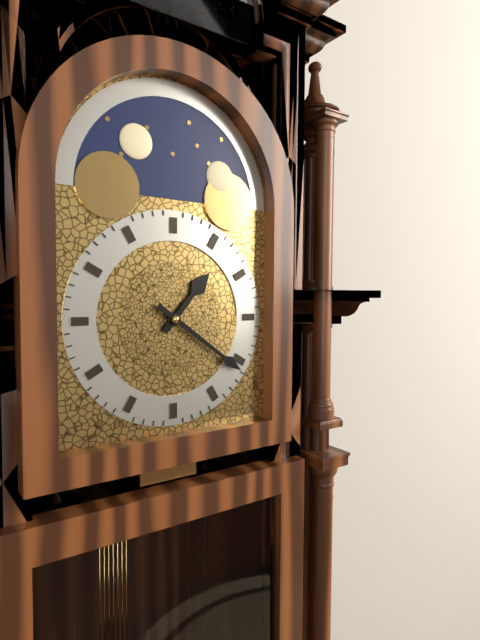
1:21
